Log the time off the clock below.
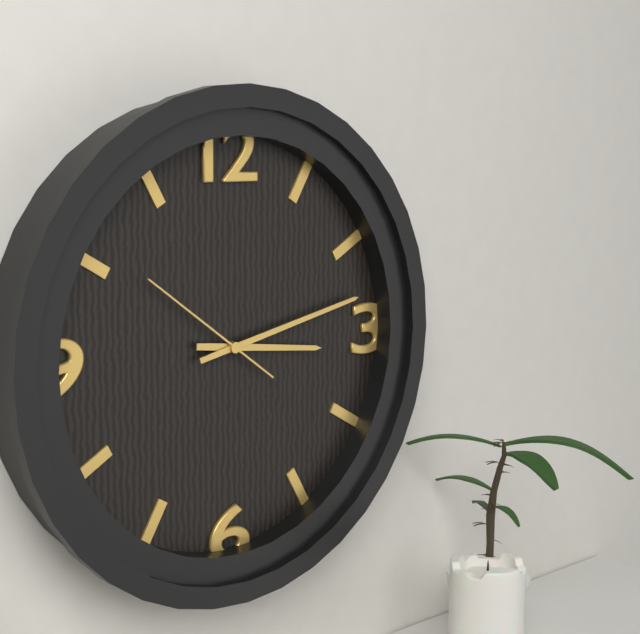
3:13:51
